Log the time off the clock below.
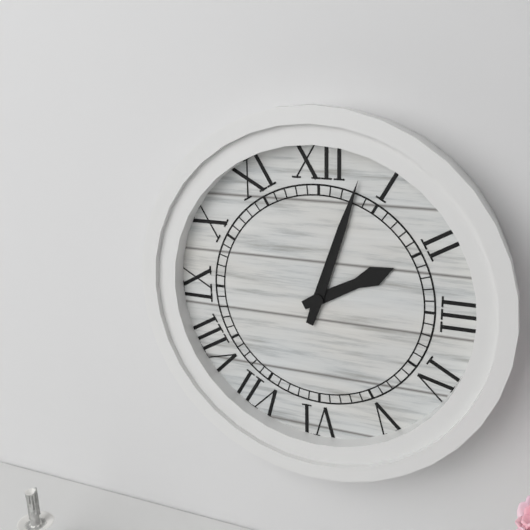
2:03
